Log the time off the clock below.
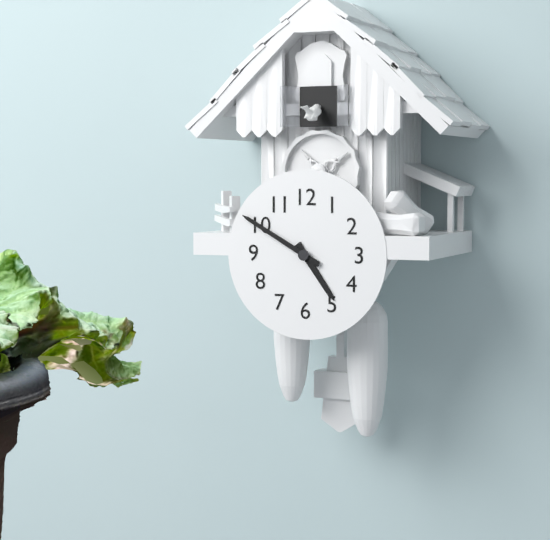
4:50
